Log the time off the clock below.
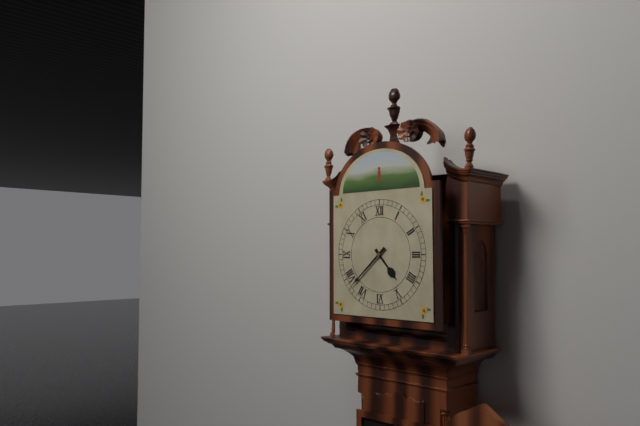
4:38
